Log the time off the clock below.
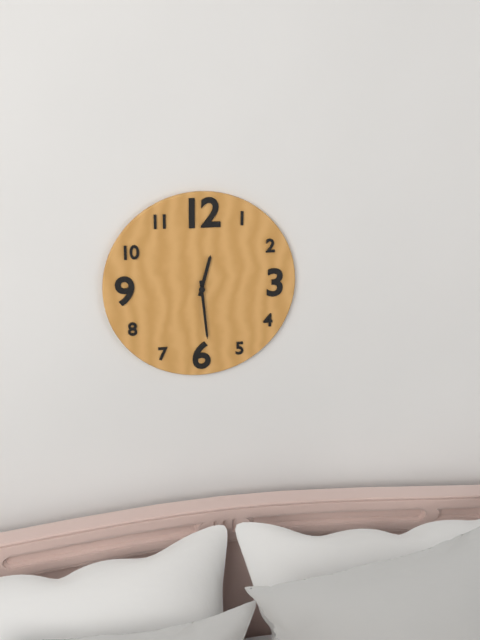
12:29
